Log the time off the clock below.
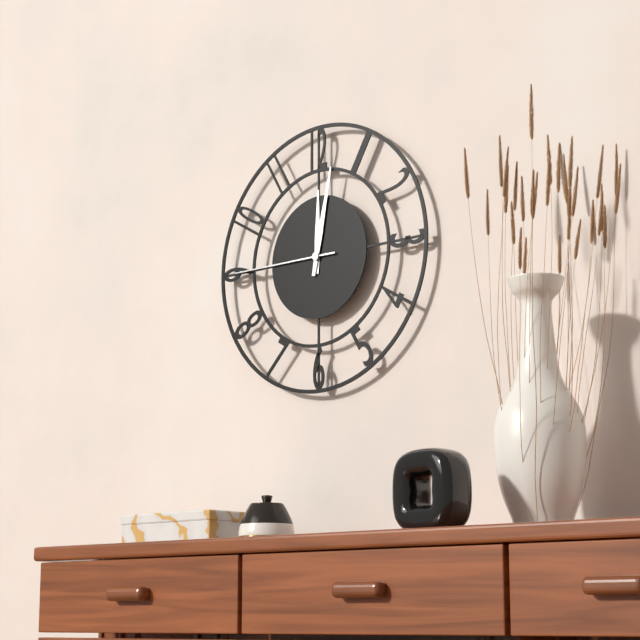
12:02:45
